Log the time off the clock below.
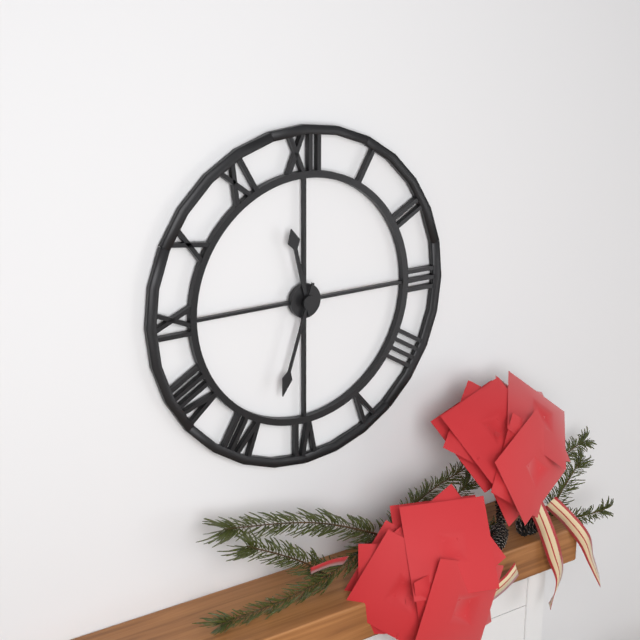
11:33
